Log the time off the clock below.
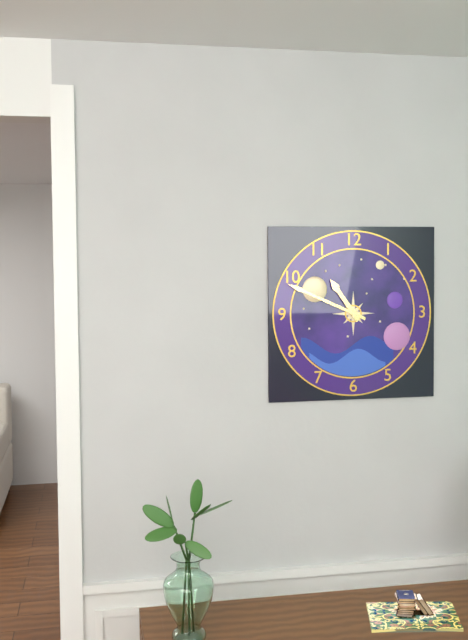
10:49
